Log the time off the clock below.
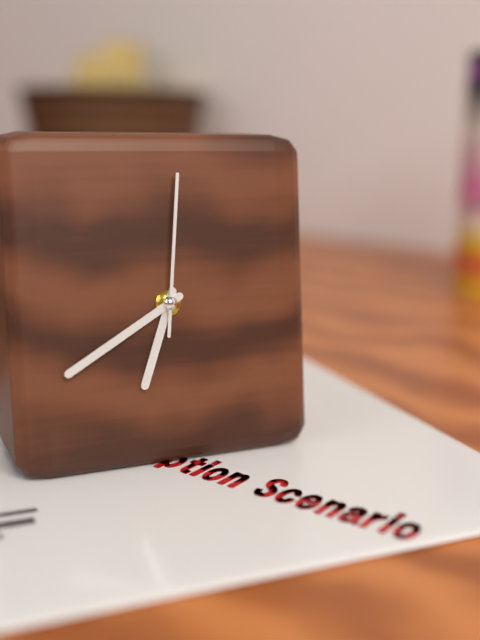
6:40:01
